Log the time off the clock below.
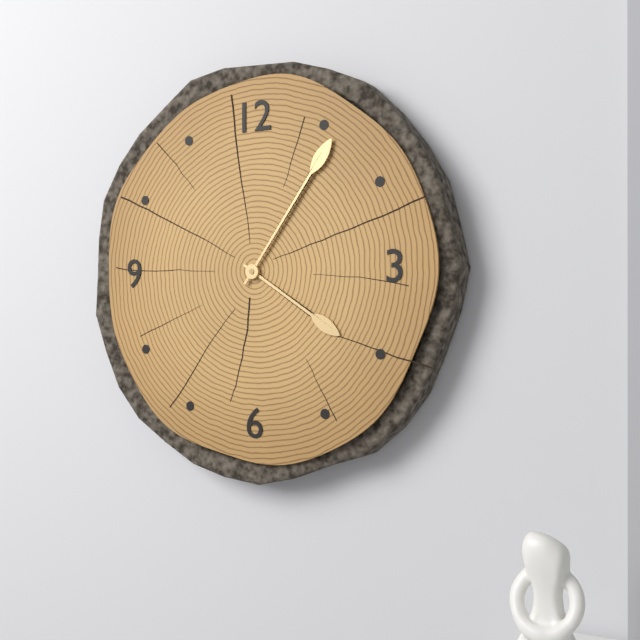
4:06
